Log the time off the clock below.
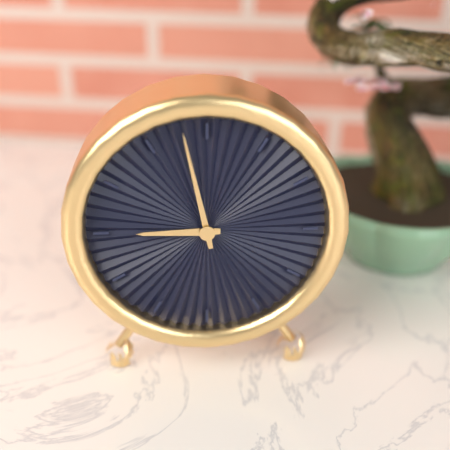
8:58
